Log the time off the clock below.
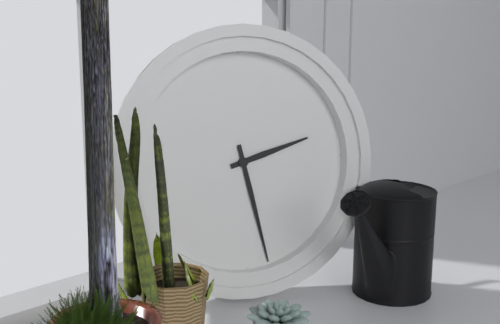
2:28
